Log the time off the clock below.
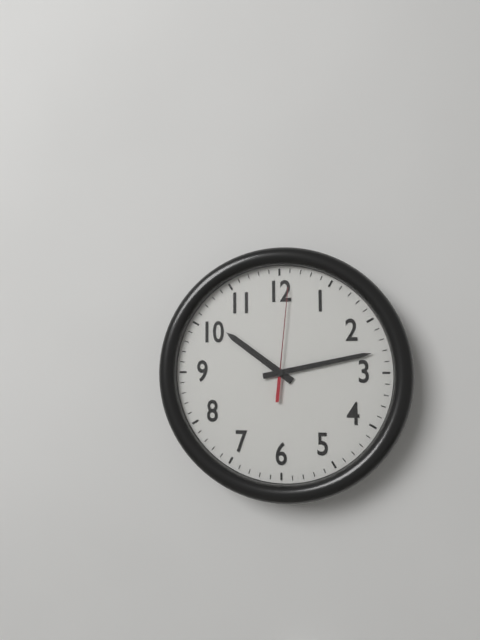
10:13:01
